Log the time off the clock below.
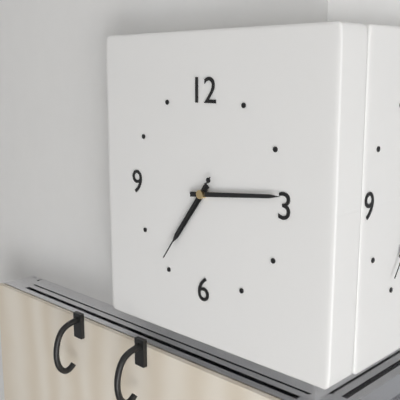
7:14:36
